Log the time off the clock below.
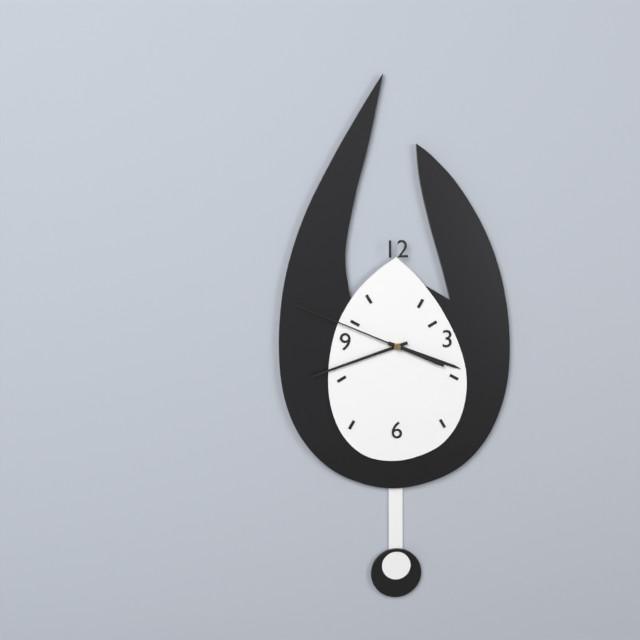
3:42:49
